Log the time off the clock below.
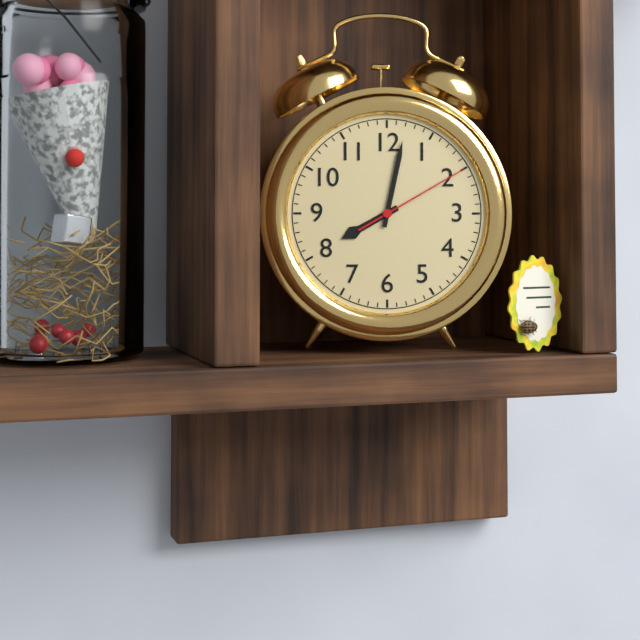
8:02:10
